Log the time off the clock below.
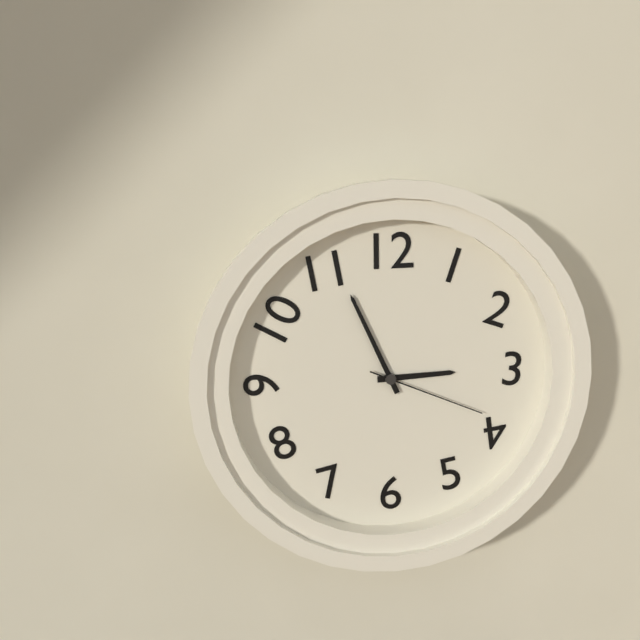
2:56:19
